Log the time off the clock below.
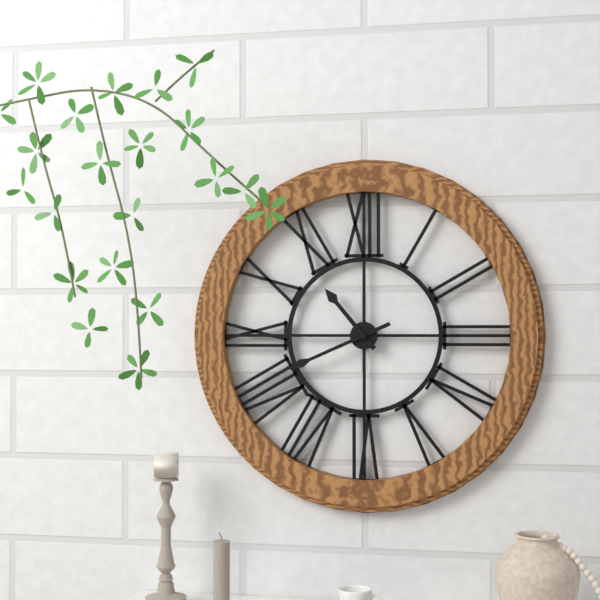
10:41
